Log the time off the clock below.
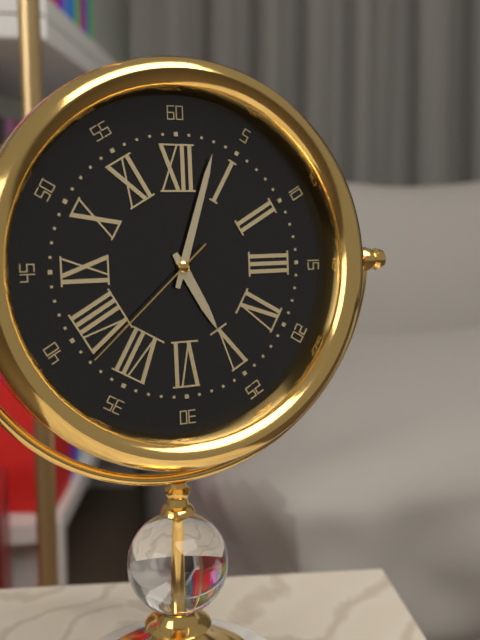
5:03:38
